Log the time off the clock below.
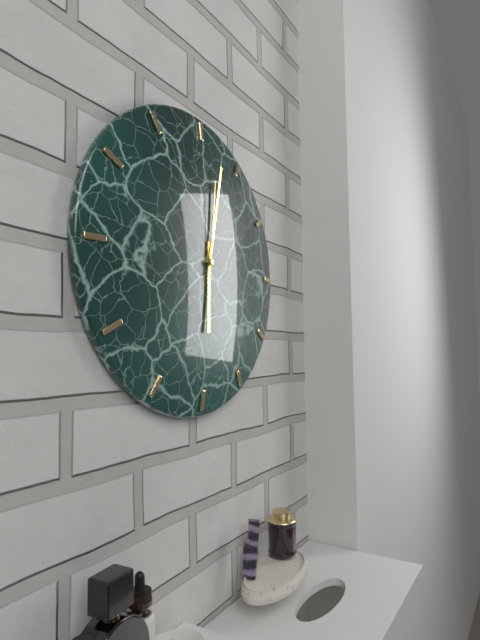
6:02:01
